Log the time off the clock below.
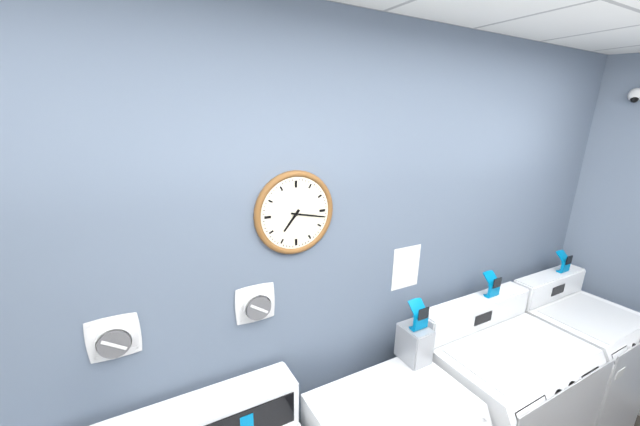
7:17
